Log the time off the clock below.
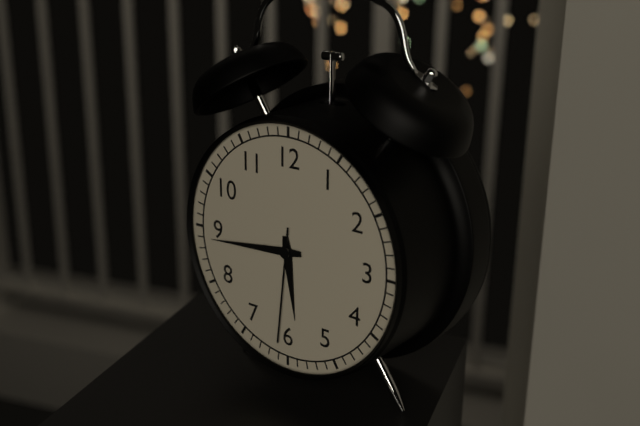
5:44:31
